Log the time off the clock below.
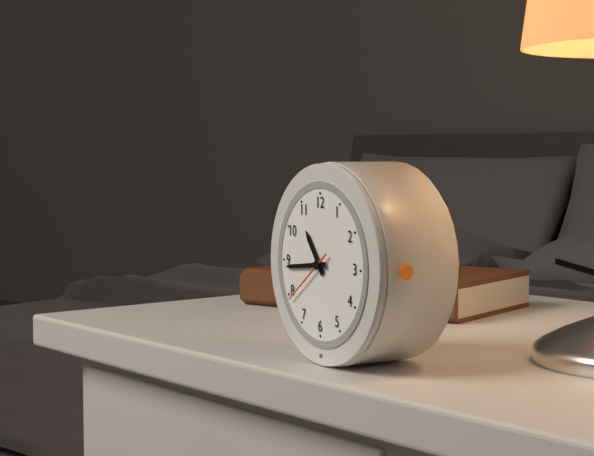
10:44:39
